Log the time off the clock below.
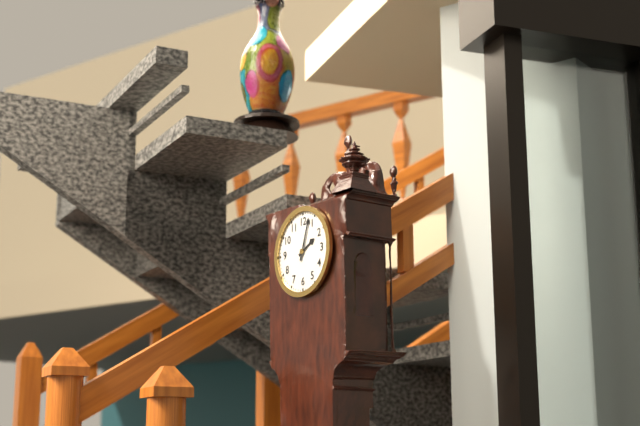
2:03
